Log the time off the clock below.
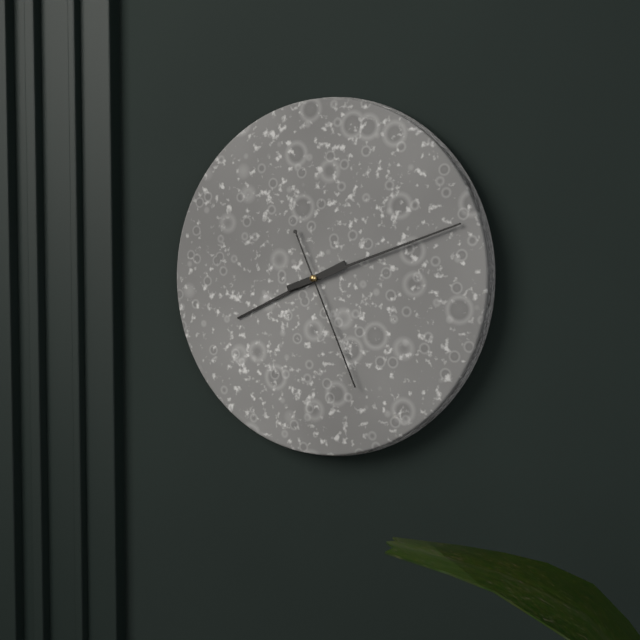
8:12:26
